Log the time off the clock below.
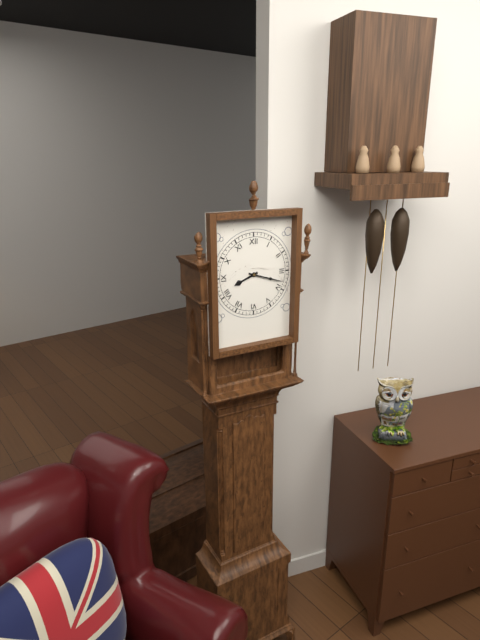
8:18
